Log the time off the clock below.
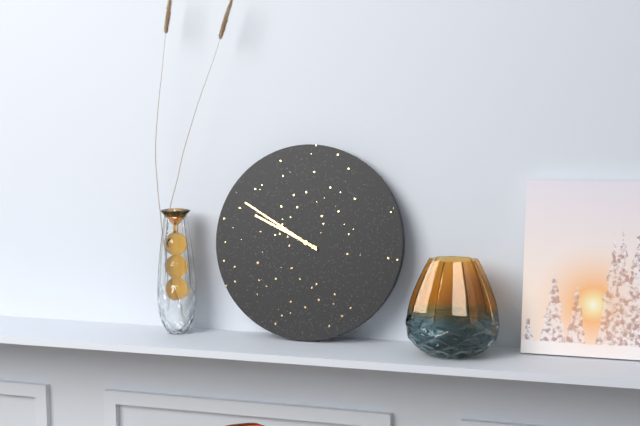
9:50
